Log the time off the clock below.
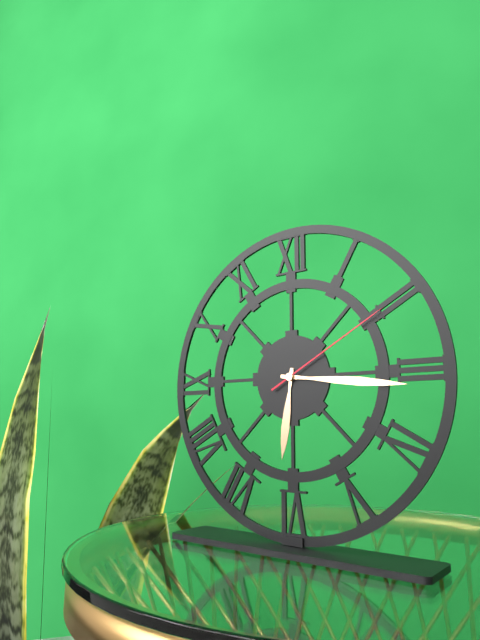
6:16:10
